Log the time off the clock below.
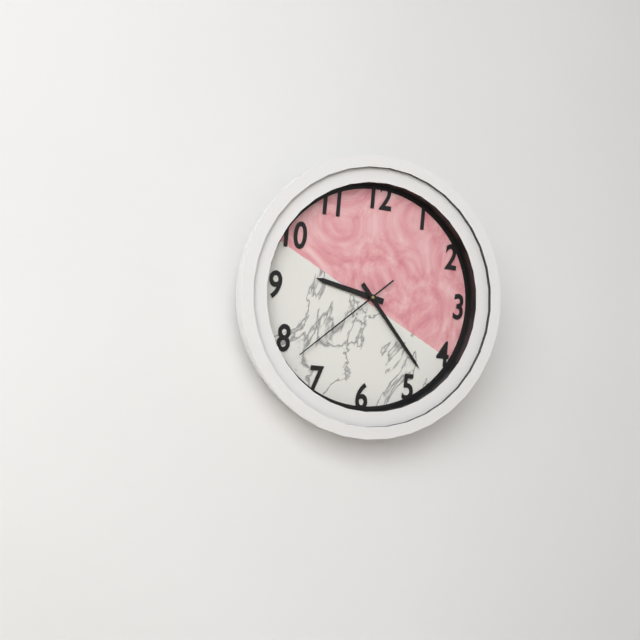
9:23:38
